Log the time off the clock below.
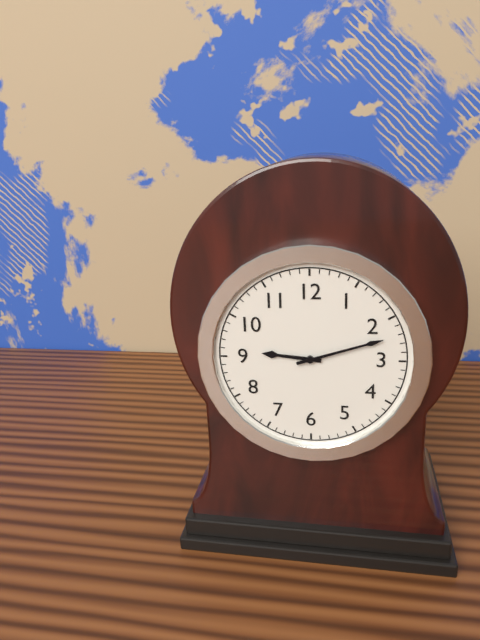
9:12
